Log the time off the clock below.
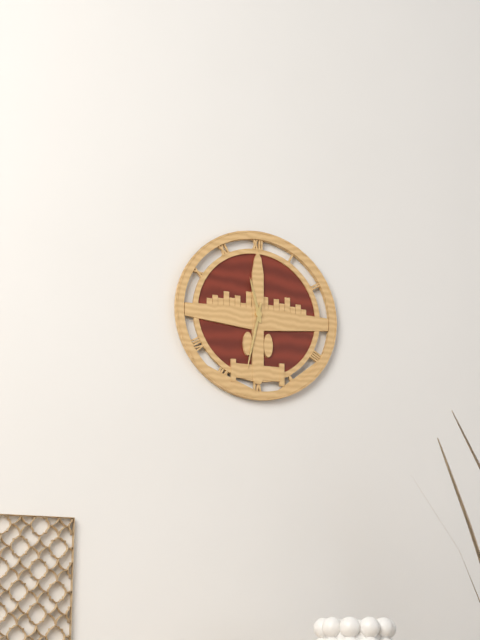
11:32
